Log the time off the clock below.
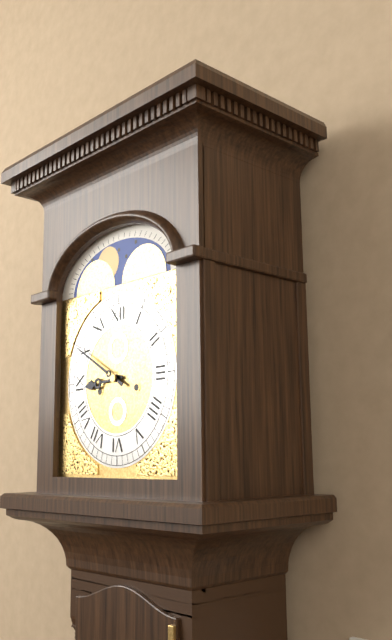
8:50
